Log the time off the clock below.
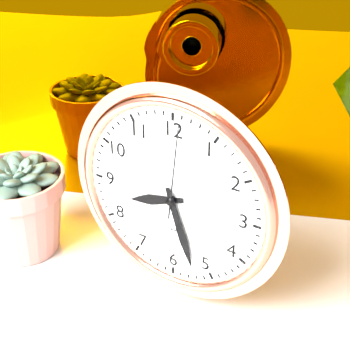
8:27:01
